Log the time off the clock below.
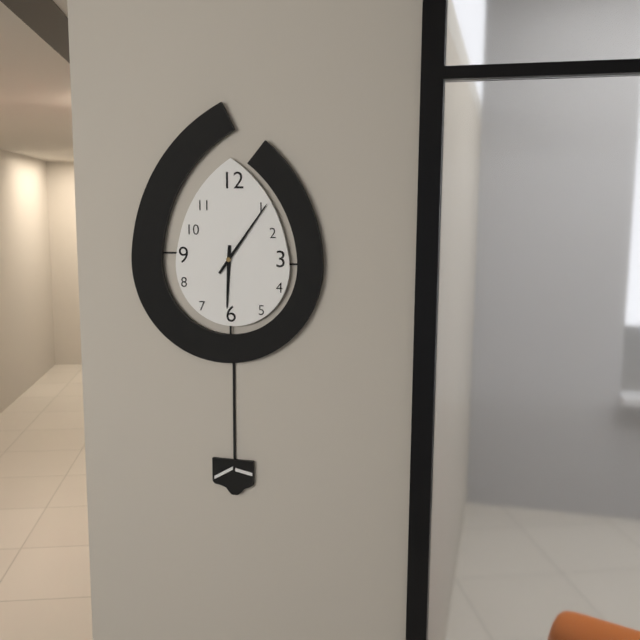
6:06
